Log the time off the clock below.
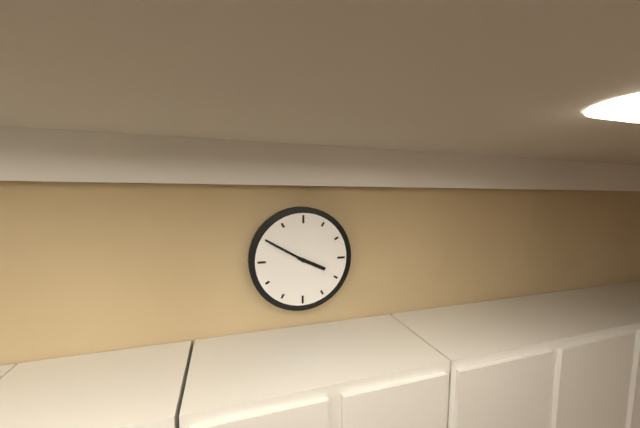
3:50
